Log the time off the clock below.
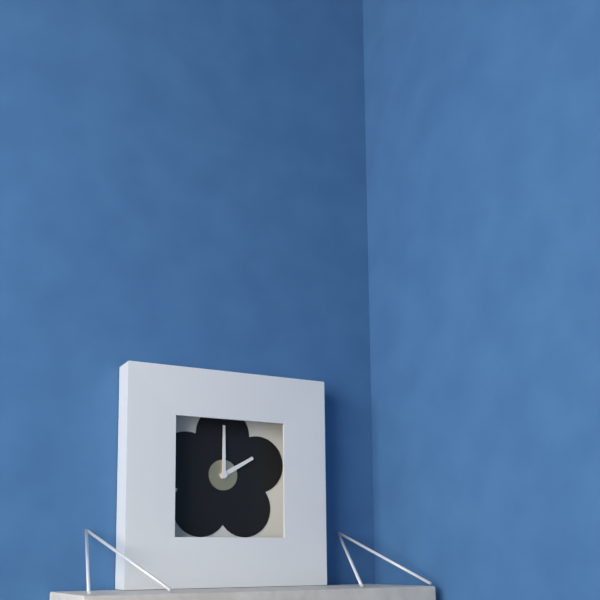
2:00
